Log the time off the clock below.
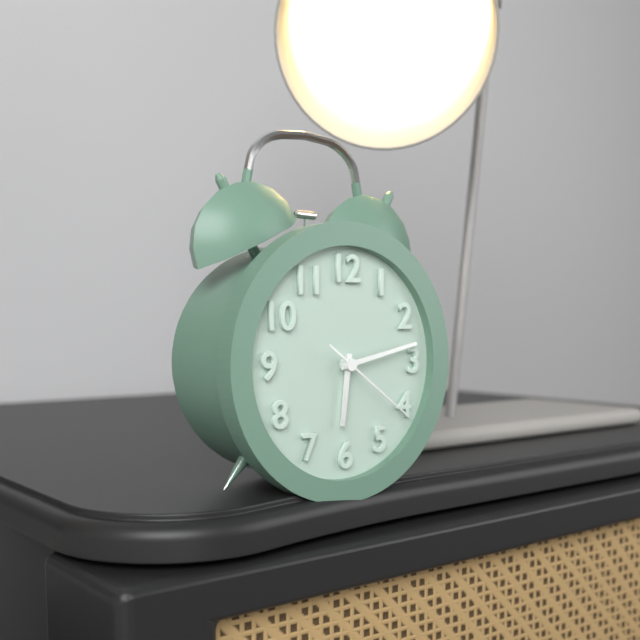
6:13:21
